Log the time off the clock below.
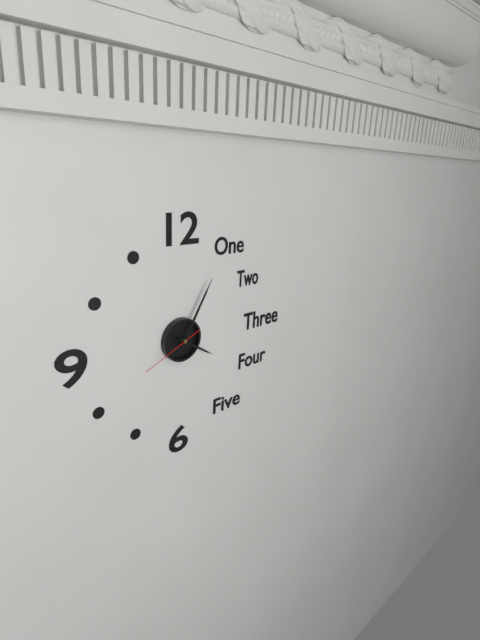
4:05:41
